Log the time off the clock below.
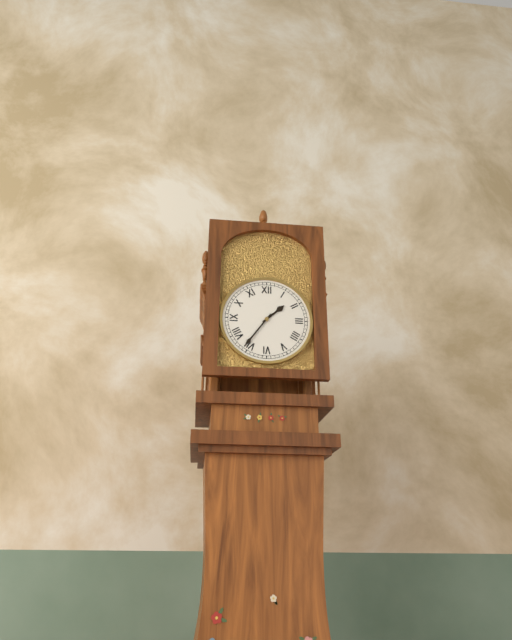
1:36
